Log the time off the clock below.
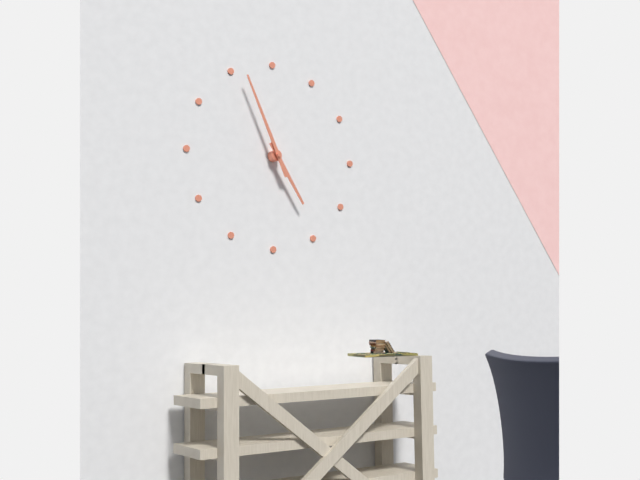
4:56
